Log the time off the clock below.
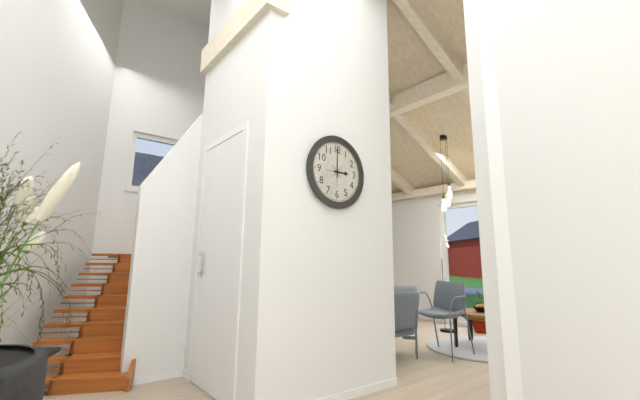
3:00
